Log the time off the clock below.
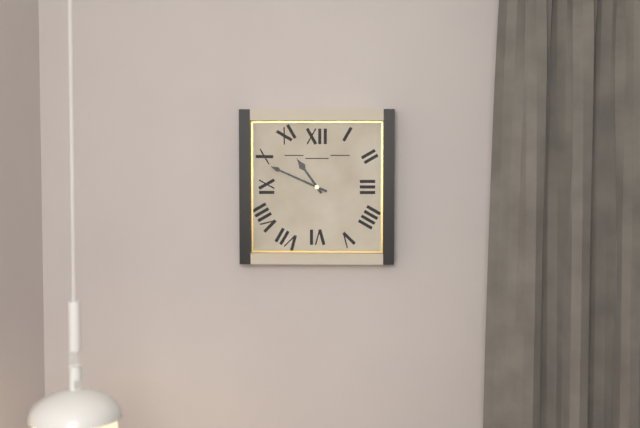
10:49
